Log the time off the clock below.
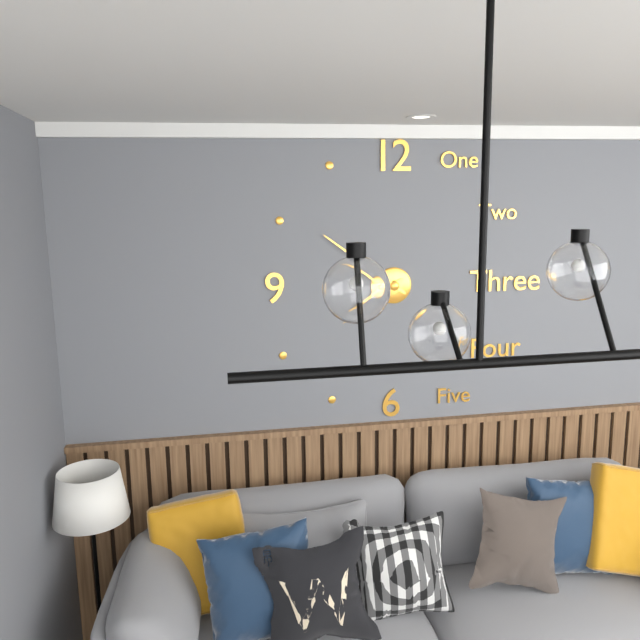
7:51
